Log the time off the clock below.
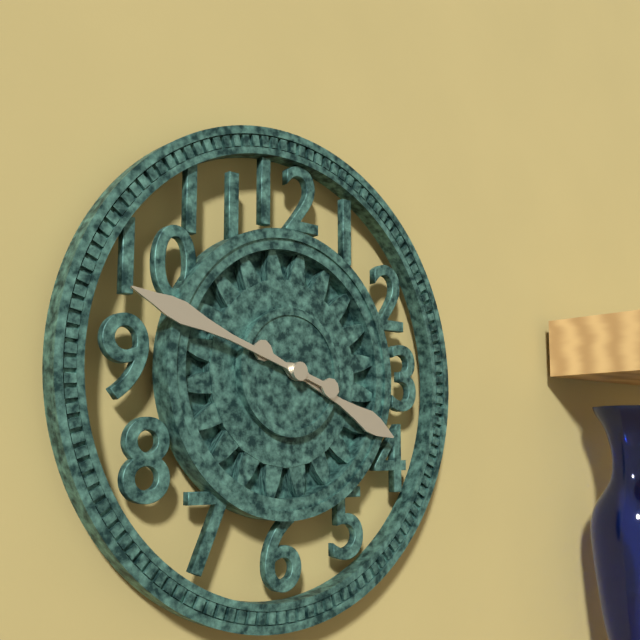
3:48
